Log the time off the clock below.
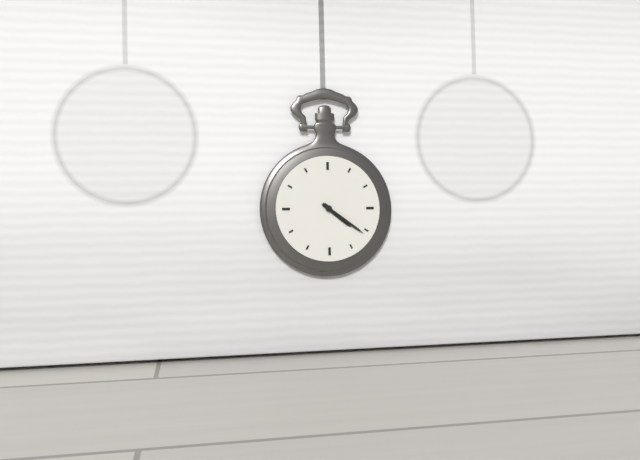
4:21
